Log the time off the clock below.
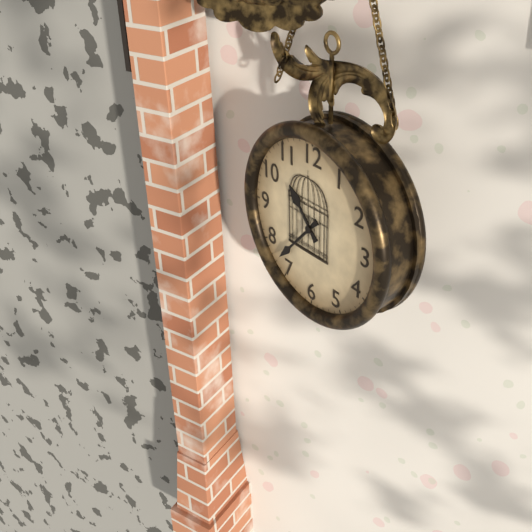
10:37
